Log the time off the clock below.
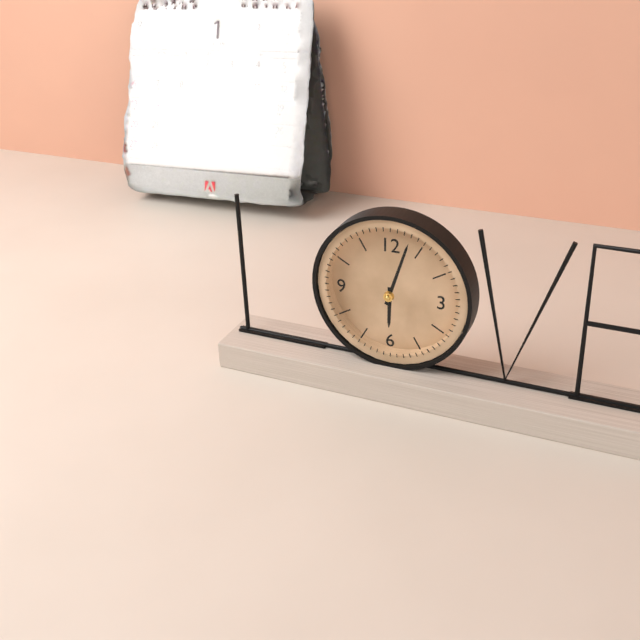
6:03
